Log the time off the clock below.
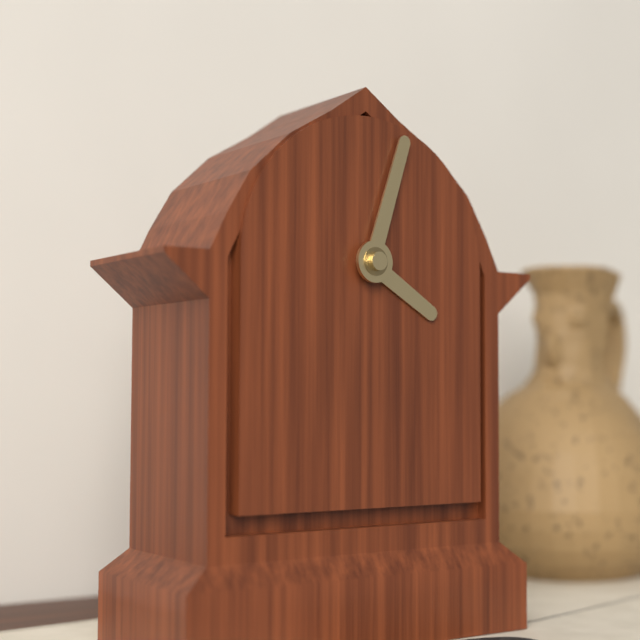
4:03
